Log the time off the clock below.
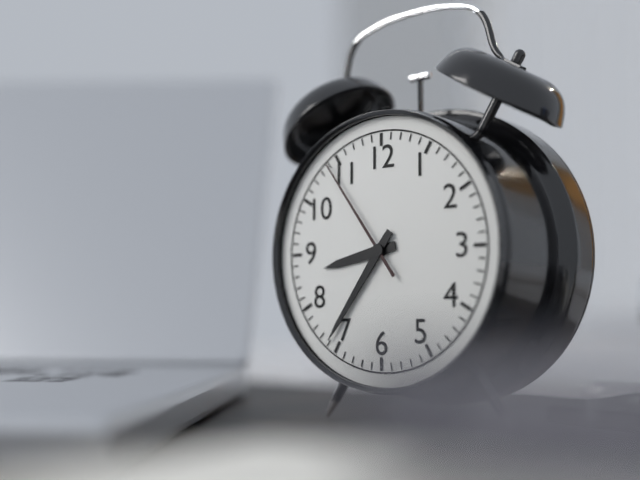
8:36:54
